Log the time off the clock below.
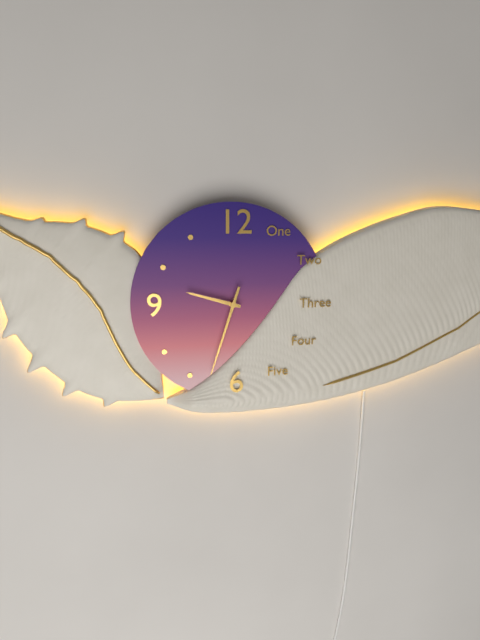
9:33
